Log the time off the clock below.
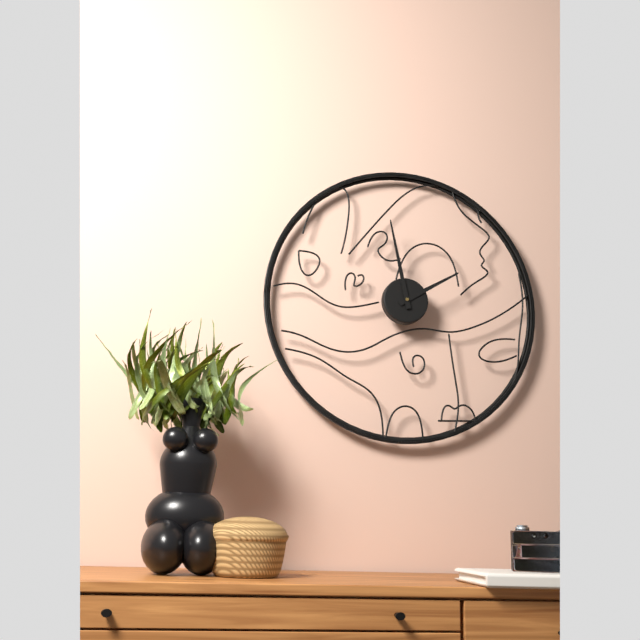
1:58
